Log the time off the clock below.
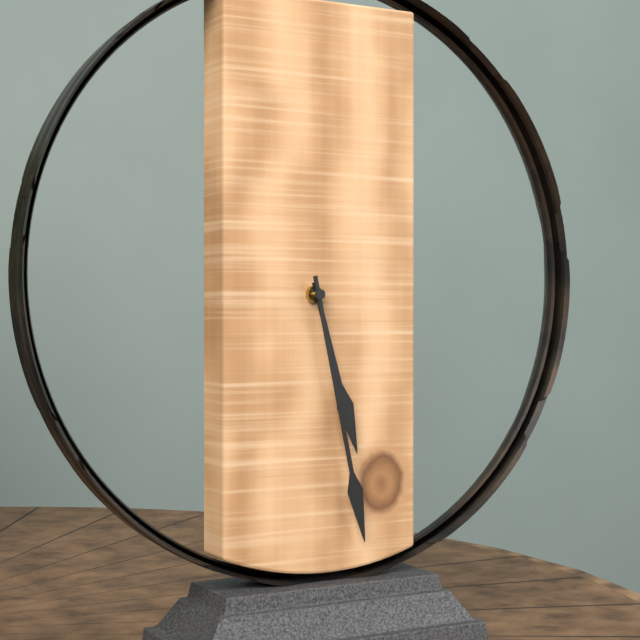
5:28
